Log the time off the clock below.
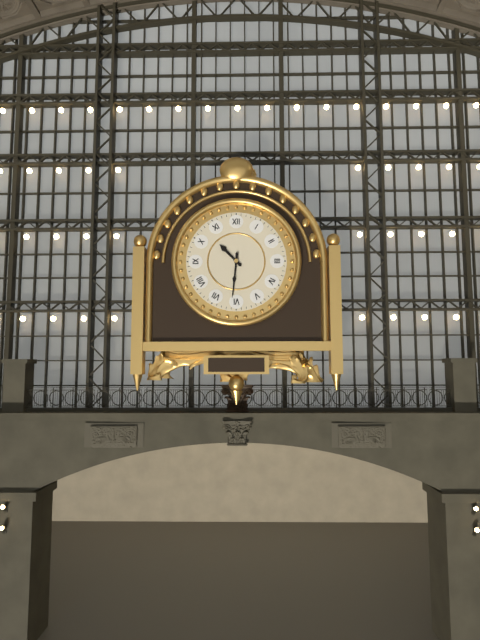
10:31
